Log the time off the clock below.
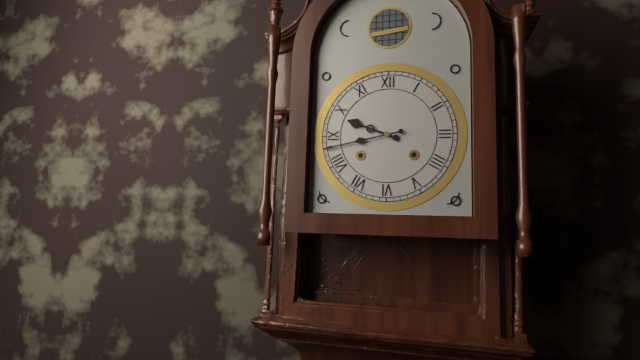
9:43
